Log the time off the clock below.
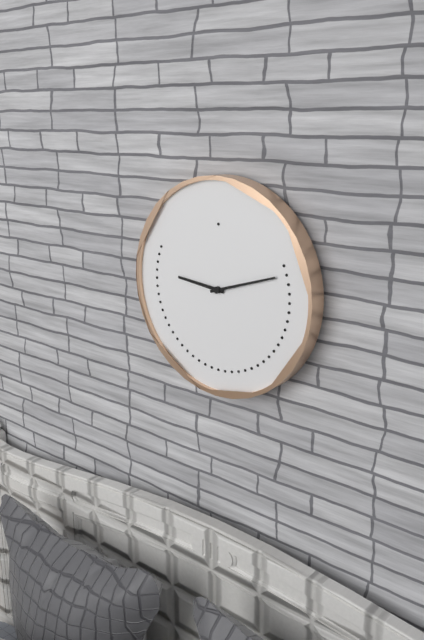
9:12
